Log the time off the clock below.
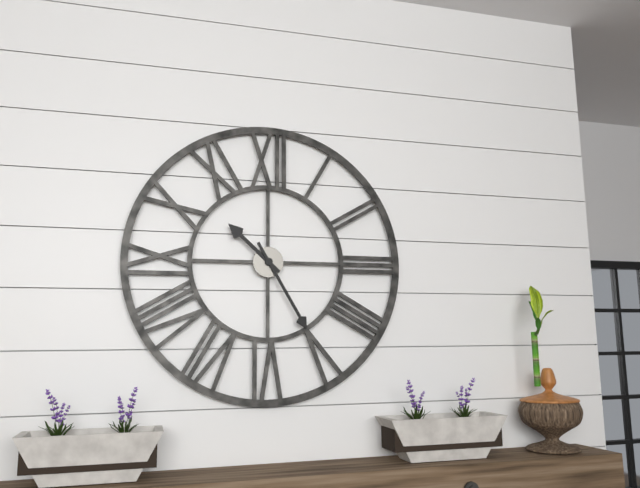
10:25
